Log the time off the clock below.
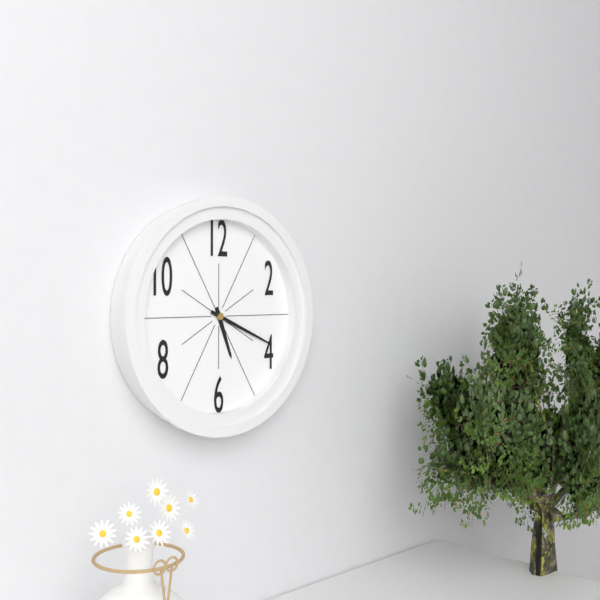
5:19
